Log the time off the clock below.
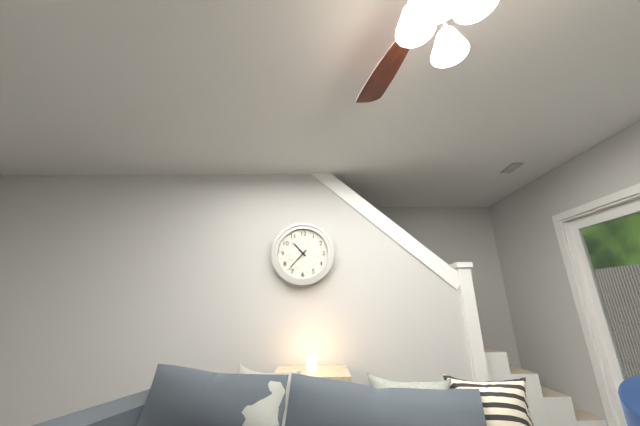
10:37
